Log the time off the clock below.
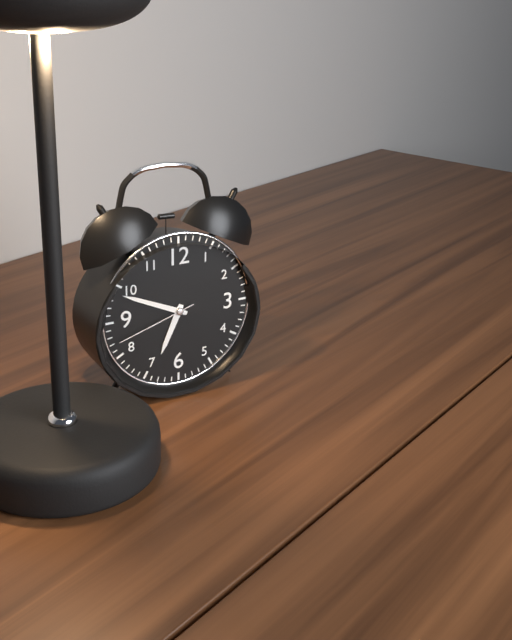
6:49:42
